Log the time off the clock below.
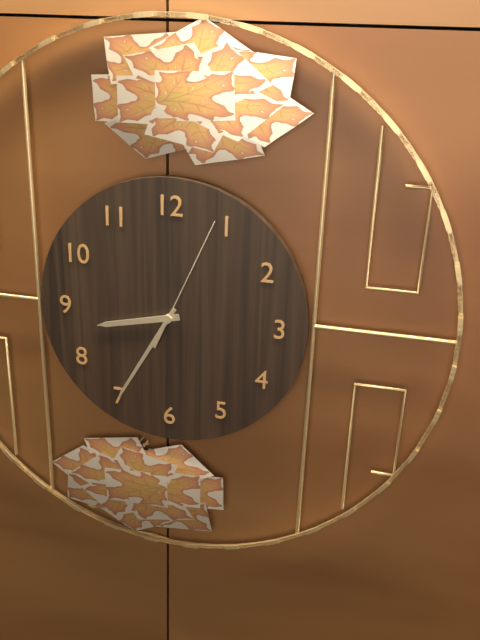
8:35:04
